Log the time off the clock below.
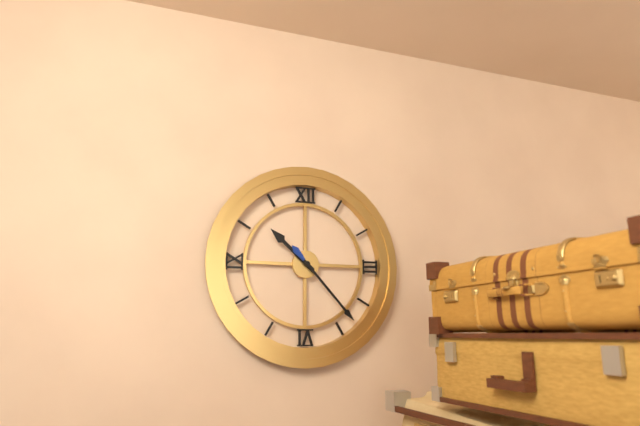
10:23
